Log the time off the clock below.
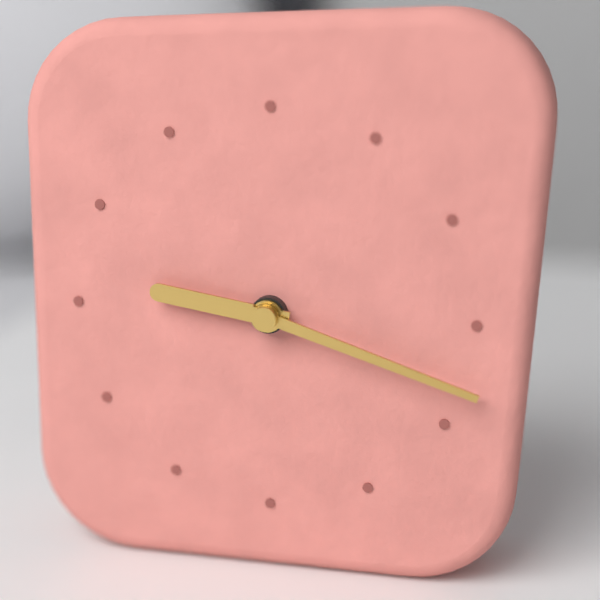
9:18
